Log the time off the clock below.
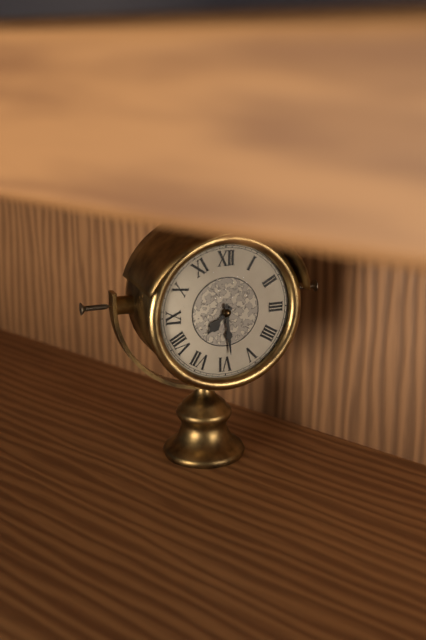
7:29
